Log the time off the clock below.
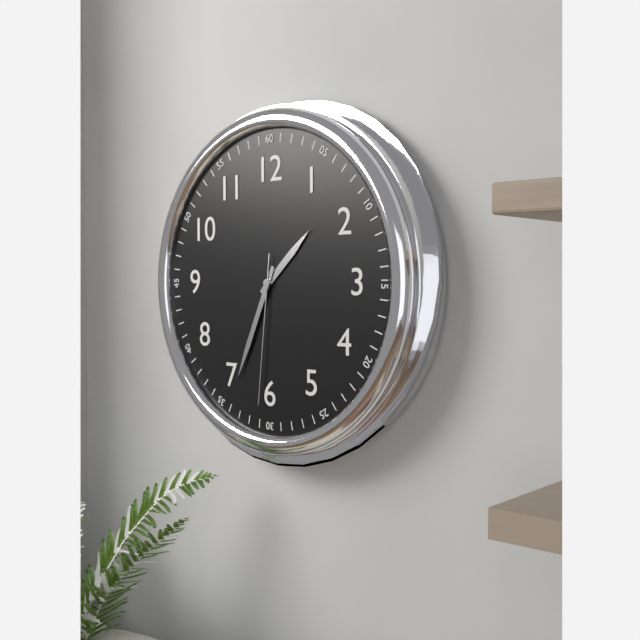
1:34:31
